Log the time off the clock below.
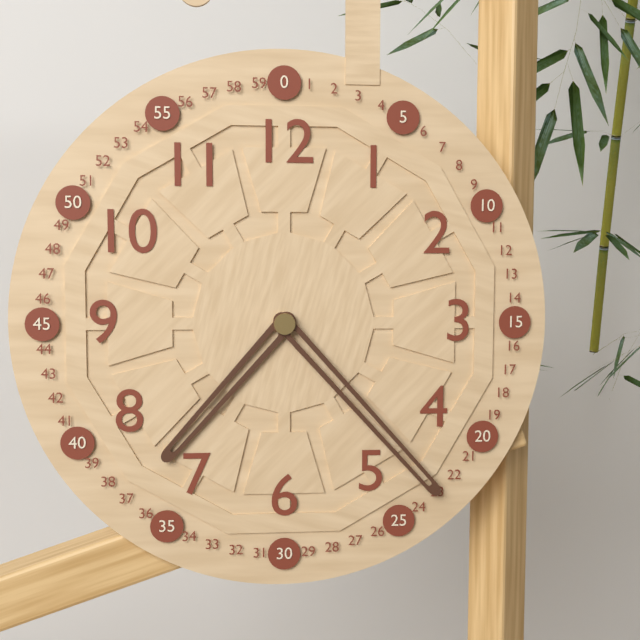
7:23
